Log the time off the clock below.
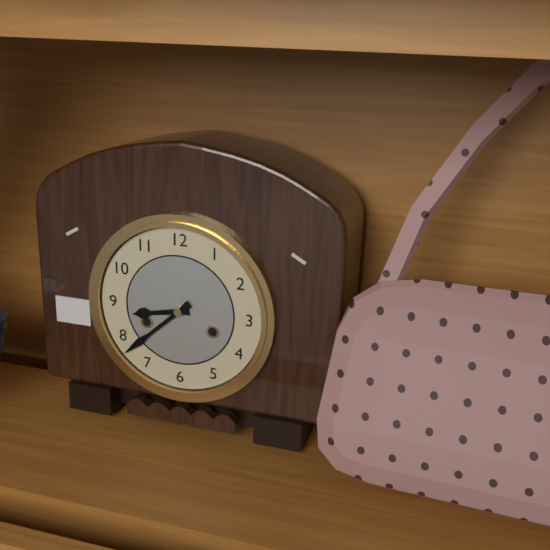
8:38
